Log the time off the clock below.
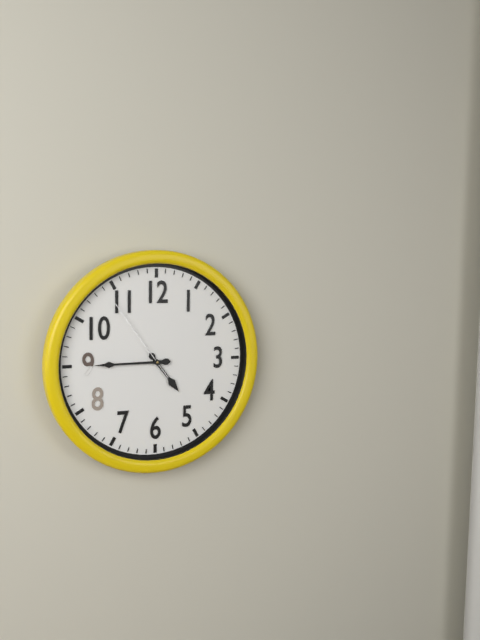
4:45:54
